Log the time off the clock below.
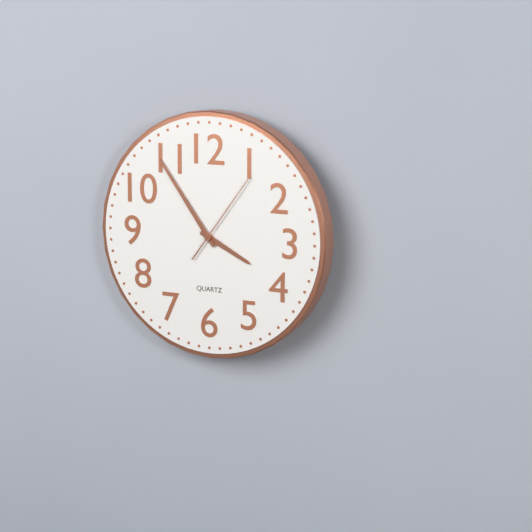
3:54:06
